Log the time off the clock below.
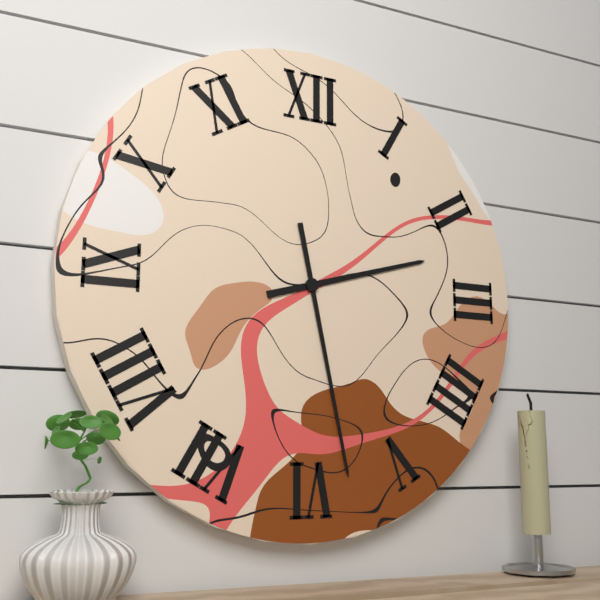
2:28
